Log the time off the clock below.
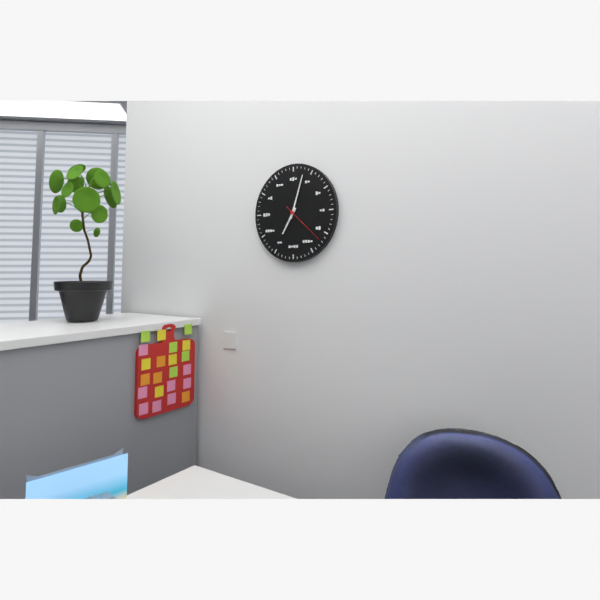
7:03
